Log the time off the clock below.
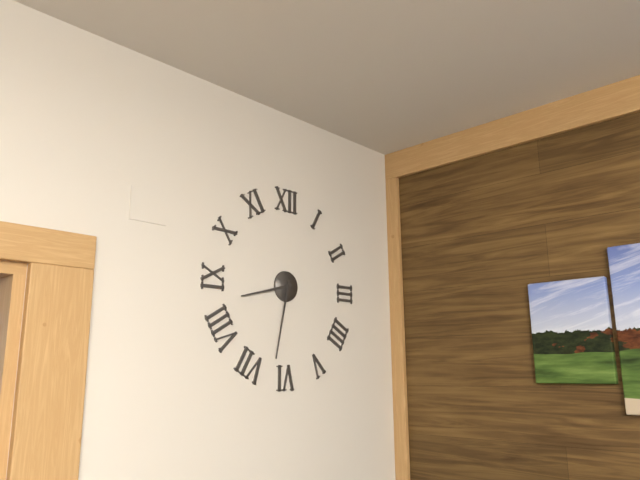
8:32
